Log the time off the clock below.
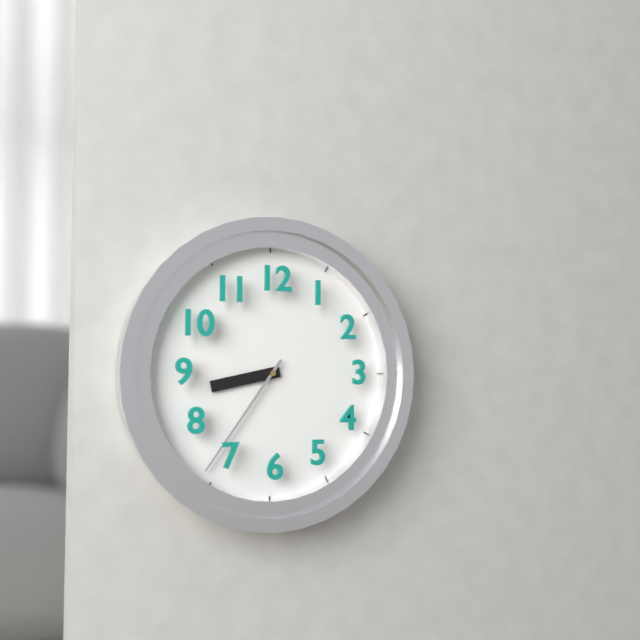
8:36
